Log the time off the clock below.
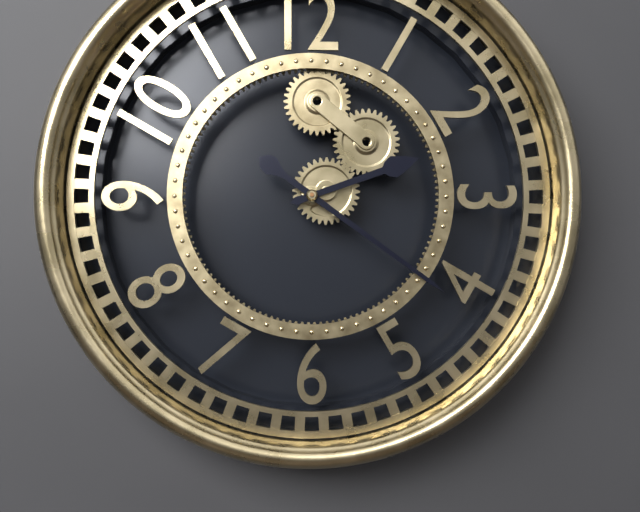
2:21
